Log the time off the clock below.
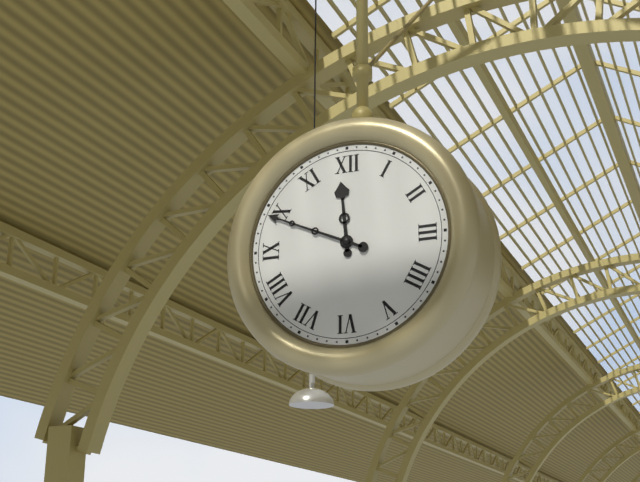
11:49
